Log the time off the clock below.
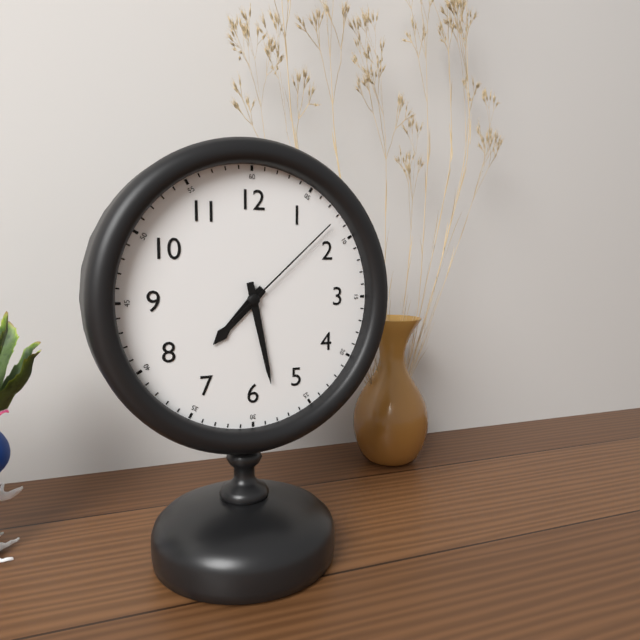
7:28:08
